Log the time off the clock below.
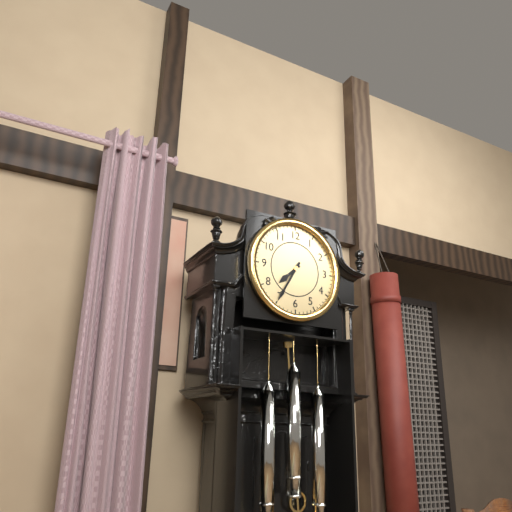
7:35
